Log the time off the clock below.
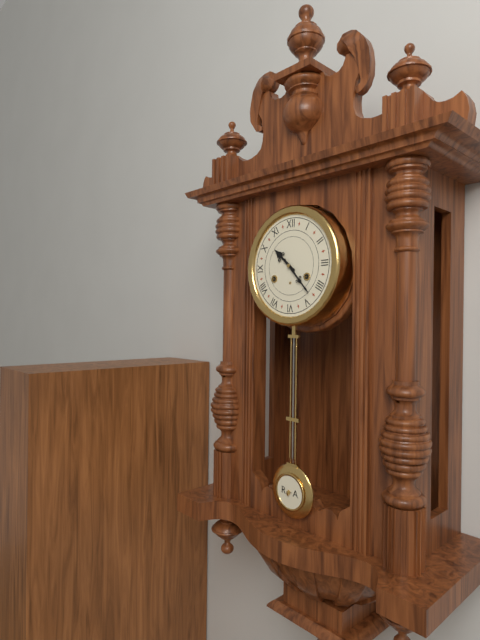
10:23
